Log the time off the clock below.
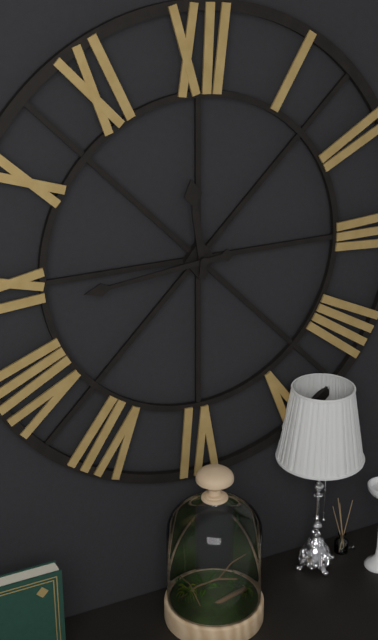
11:44
